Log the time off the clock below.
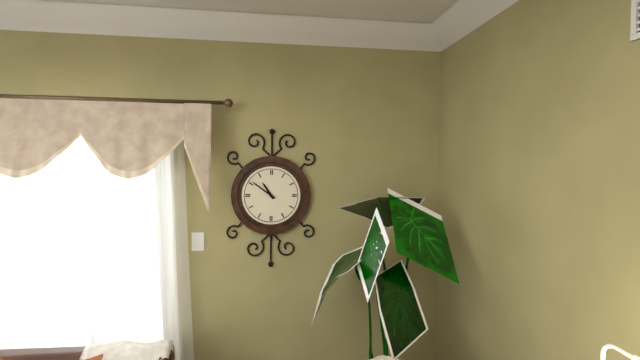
10:51
